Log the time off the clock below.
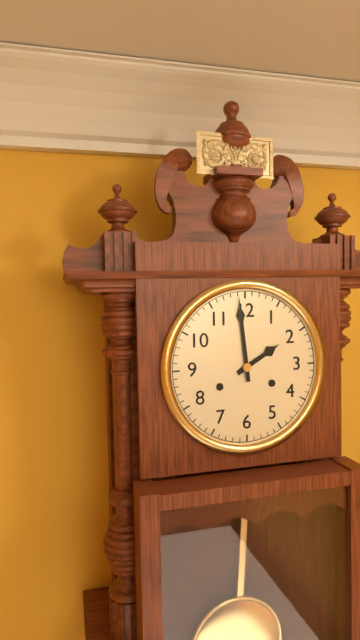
1:59
